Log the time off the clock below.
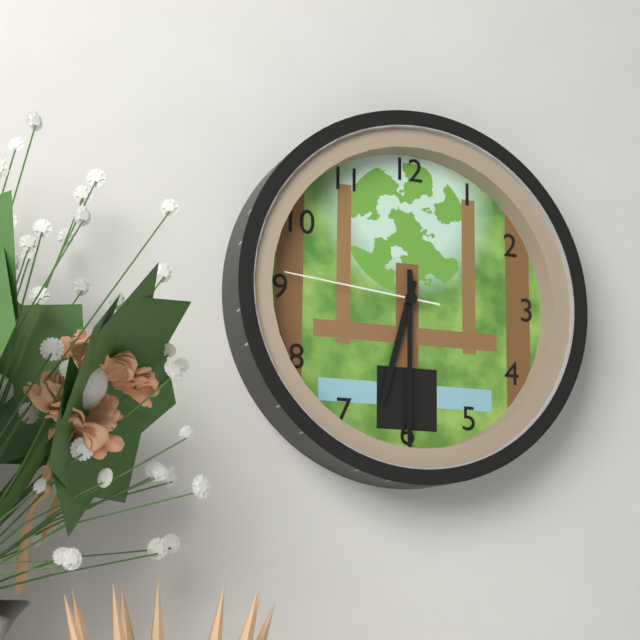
6:30:46
